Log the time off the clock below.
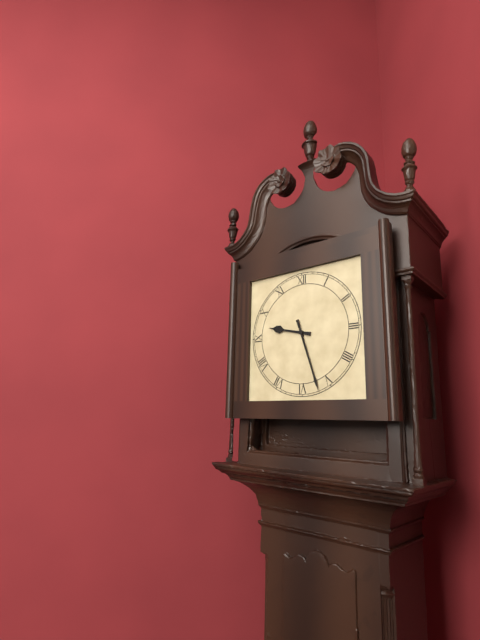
9:27
